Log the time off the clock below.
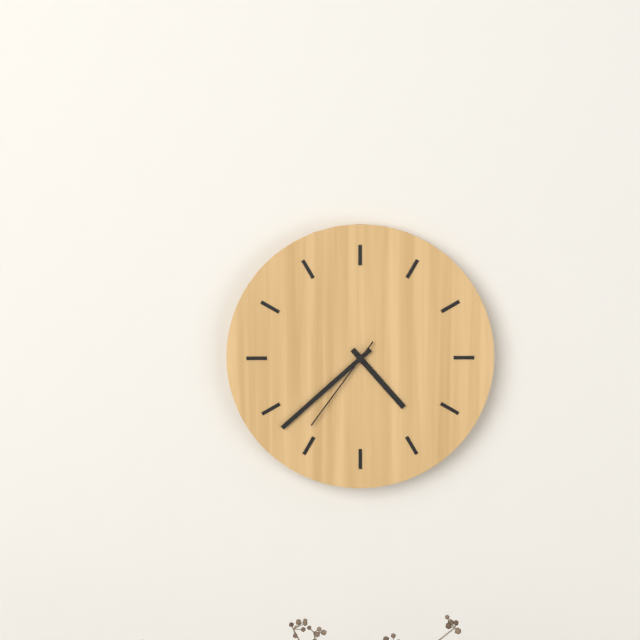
4:38:36
